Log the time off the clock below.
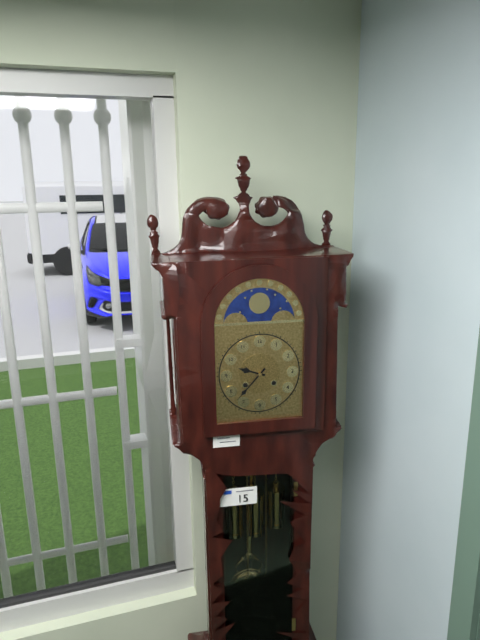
9:37
